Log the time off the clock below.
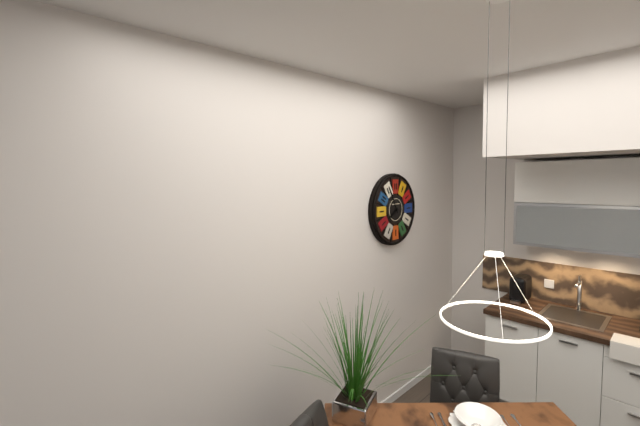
7:55
